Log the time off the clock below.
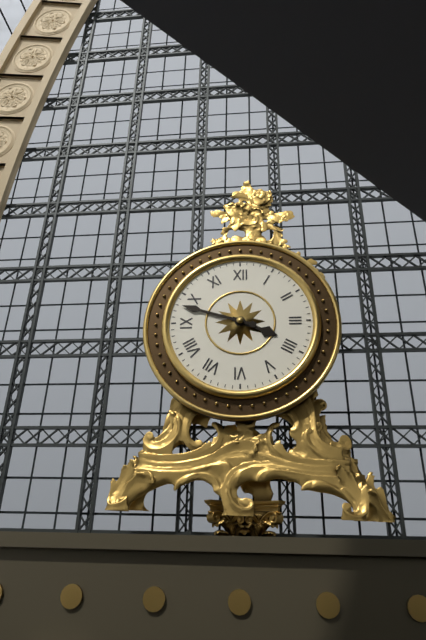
3:48
